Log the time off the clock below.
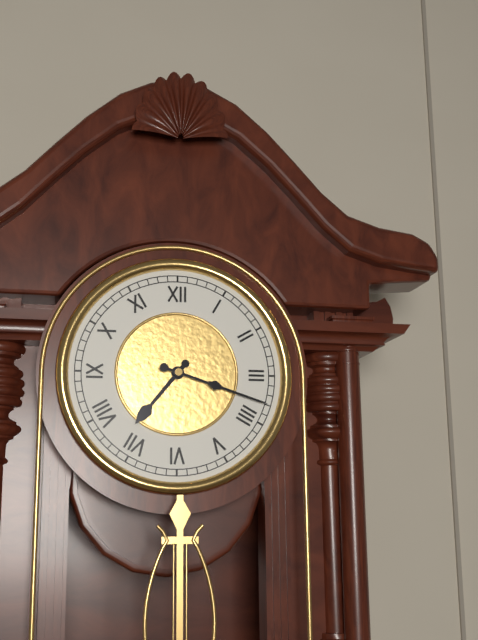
7:18
